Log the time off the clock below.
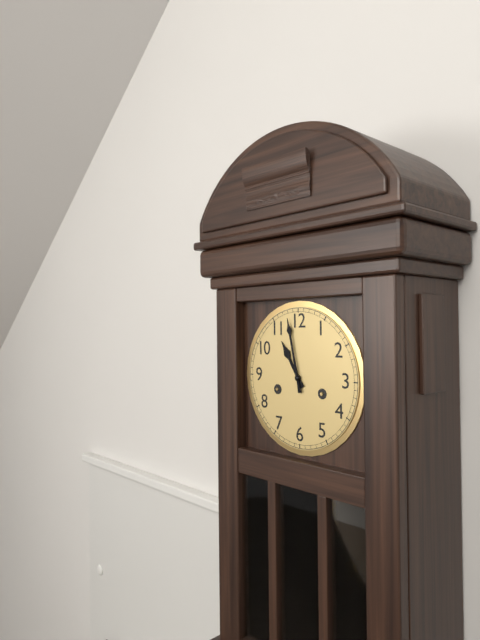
10:58
